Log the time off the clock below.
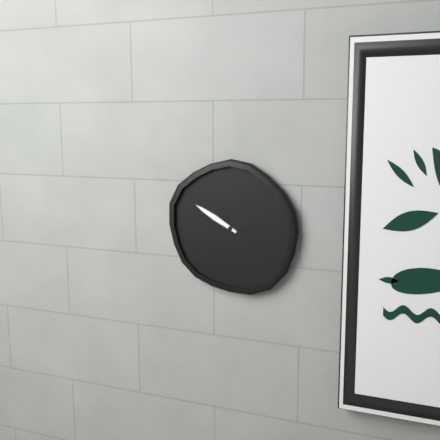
2:50
